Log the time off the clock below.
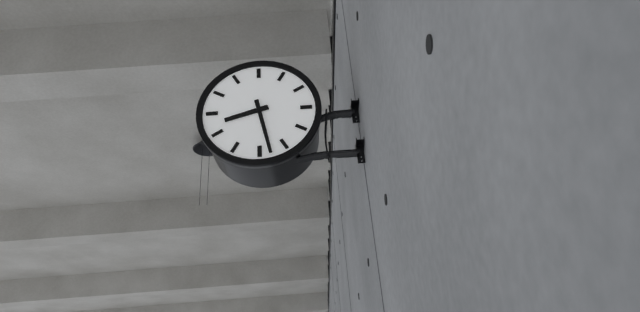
8:28
